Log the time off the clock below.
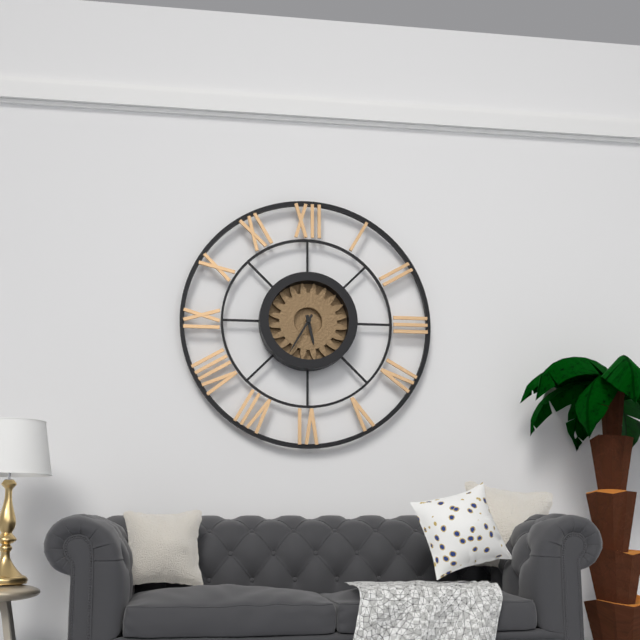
5:35
